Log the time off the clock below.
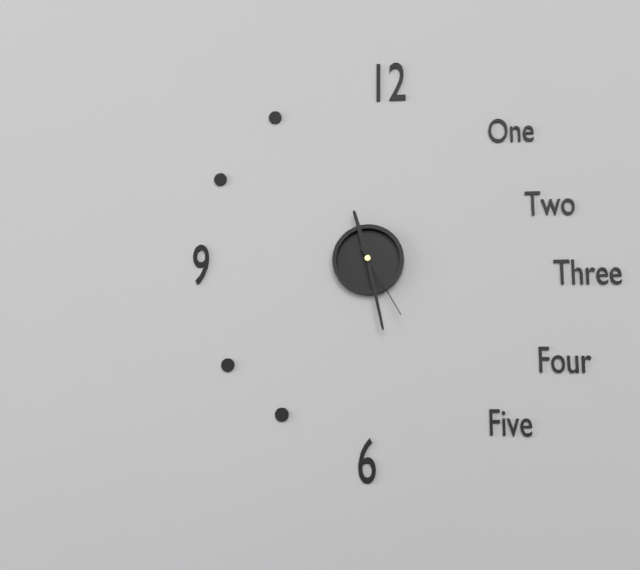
11:28:25
